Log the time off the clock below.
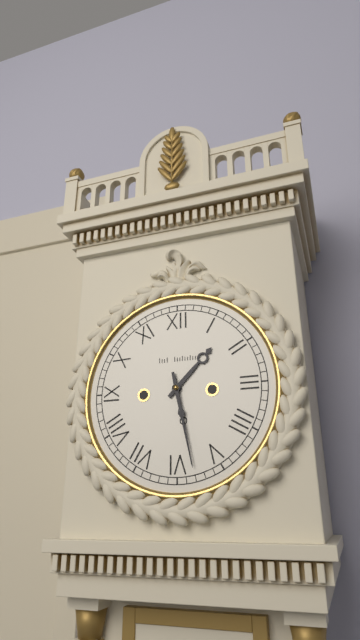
1:28
